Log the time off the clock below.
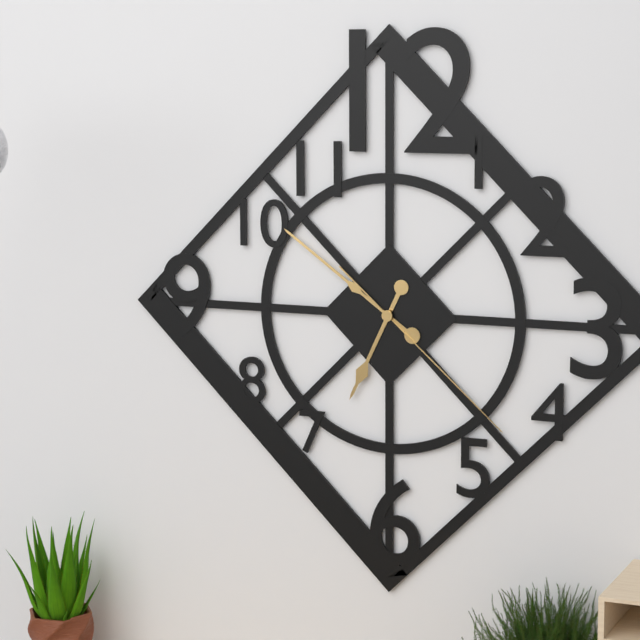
6:51:22
